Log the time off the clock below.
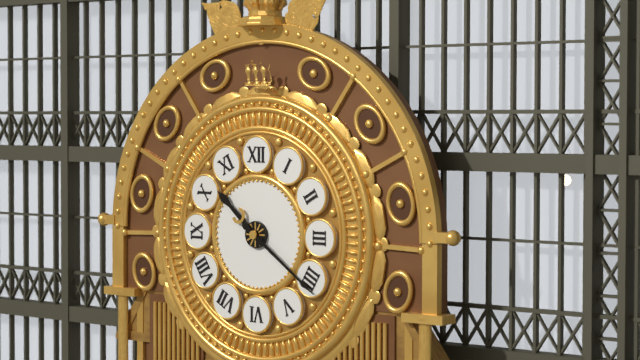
10:21
